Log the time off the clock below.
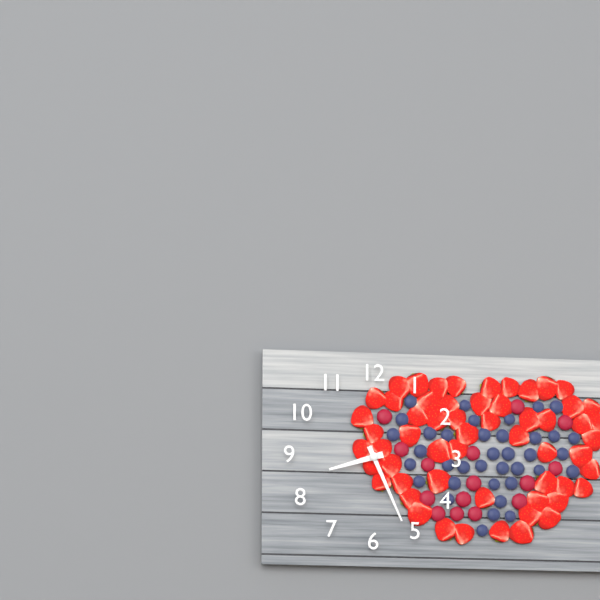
8:26
